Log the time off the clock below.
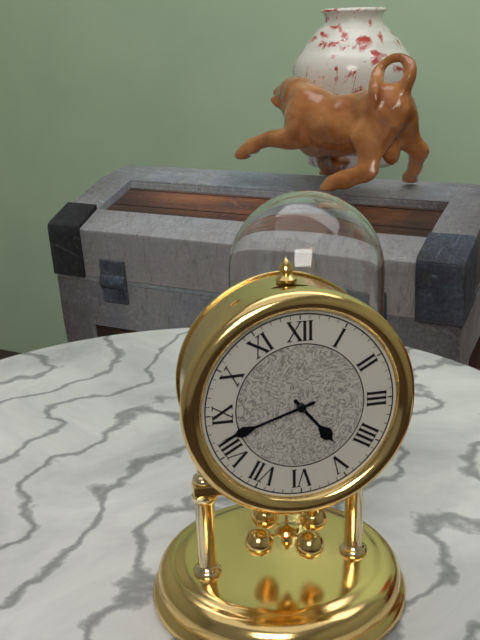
4:42
